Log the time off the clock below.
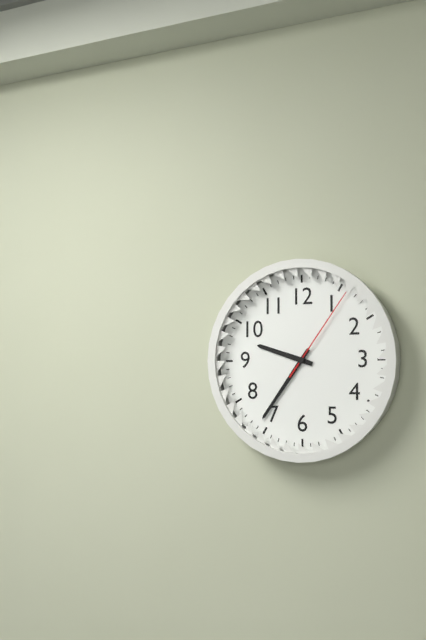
9:36:06
